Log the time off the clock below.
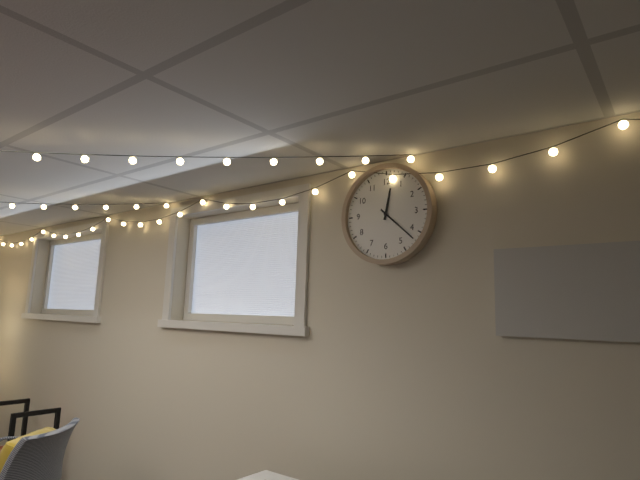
12:22
